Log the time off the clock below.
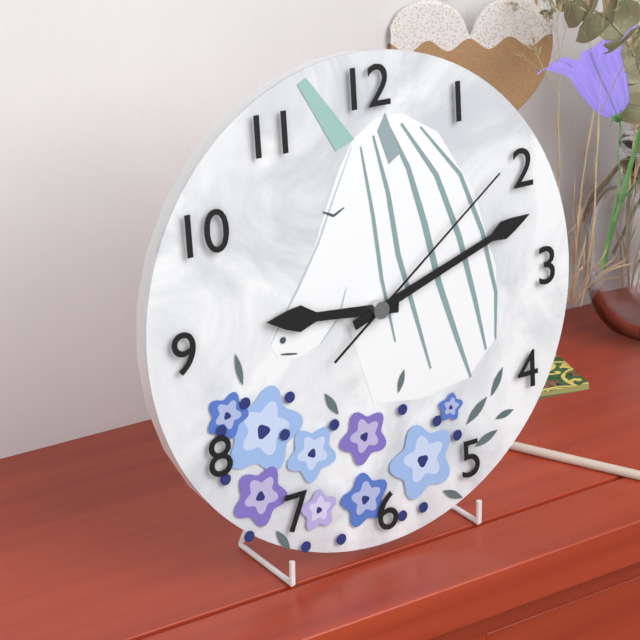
9:12:09
